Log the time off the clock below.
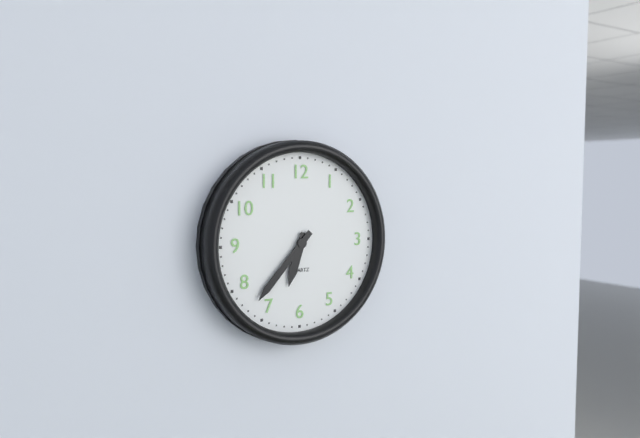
6:37
